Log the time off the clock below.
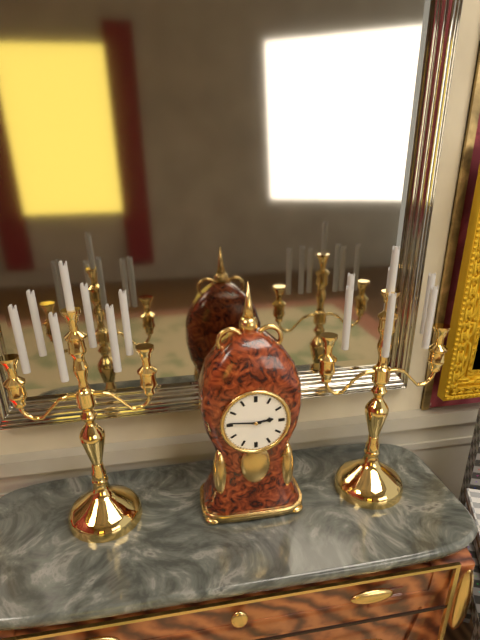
2:46
